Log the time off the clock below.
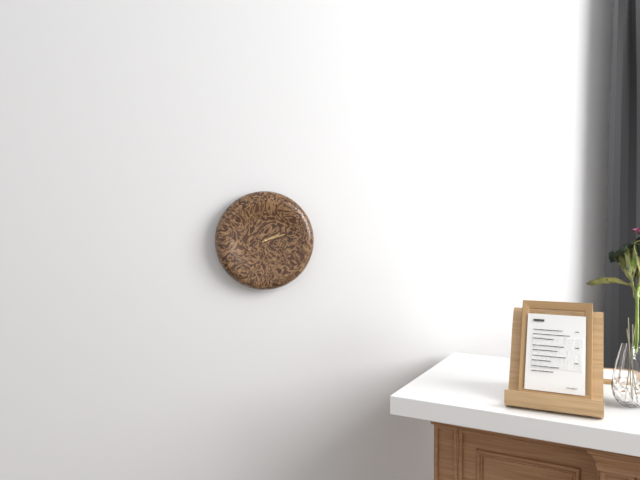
2:12
